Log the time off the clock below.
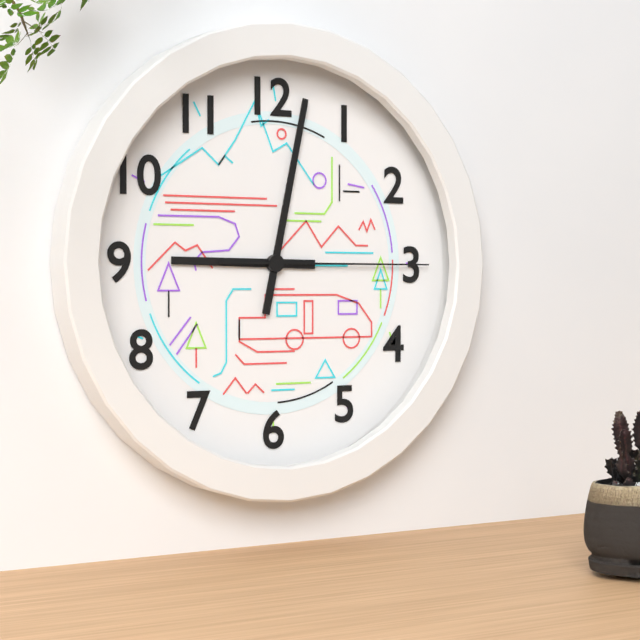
9:02:15
